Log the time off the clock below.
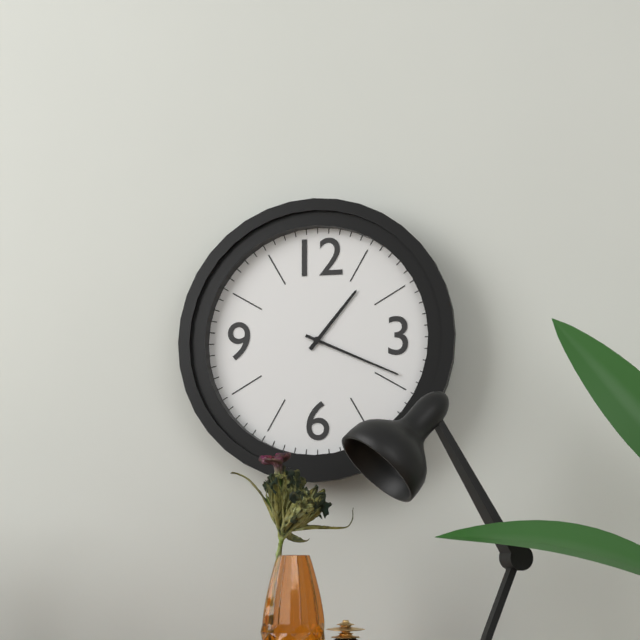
1:19
